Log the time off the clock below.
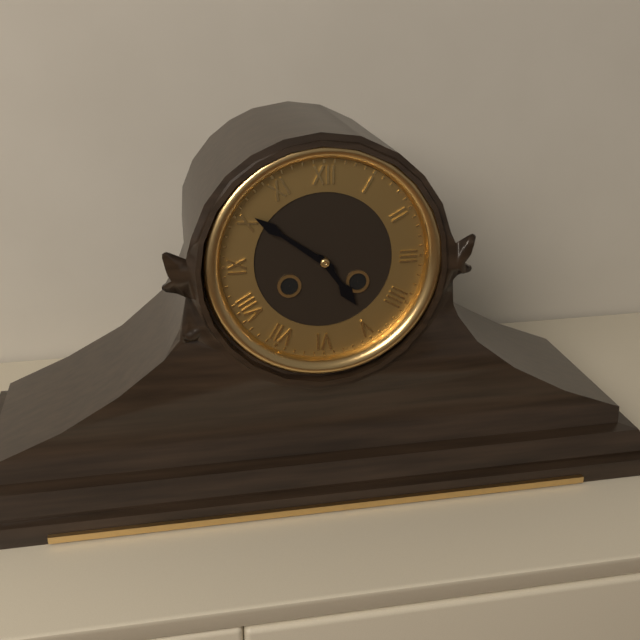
4:51
